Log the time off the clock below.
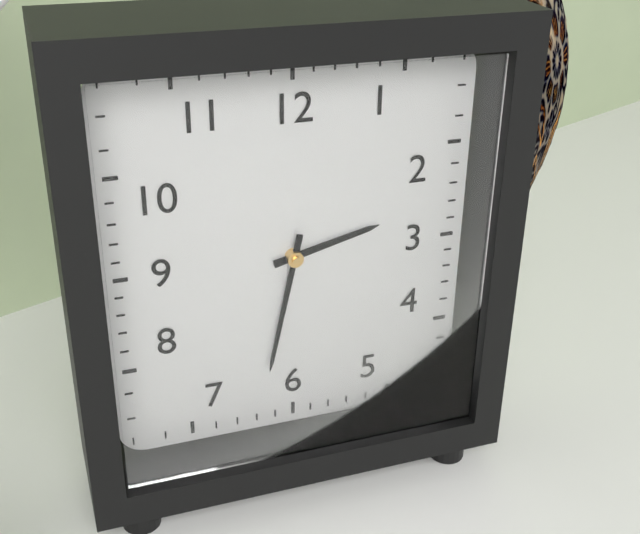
2:32
